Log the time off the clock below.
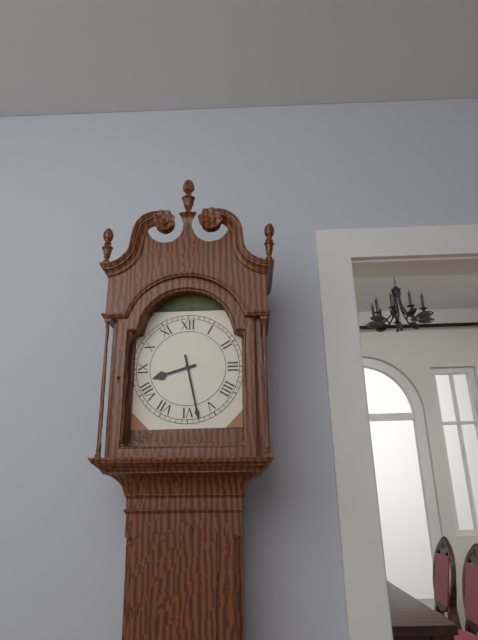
8:28
